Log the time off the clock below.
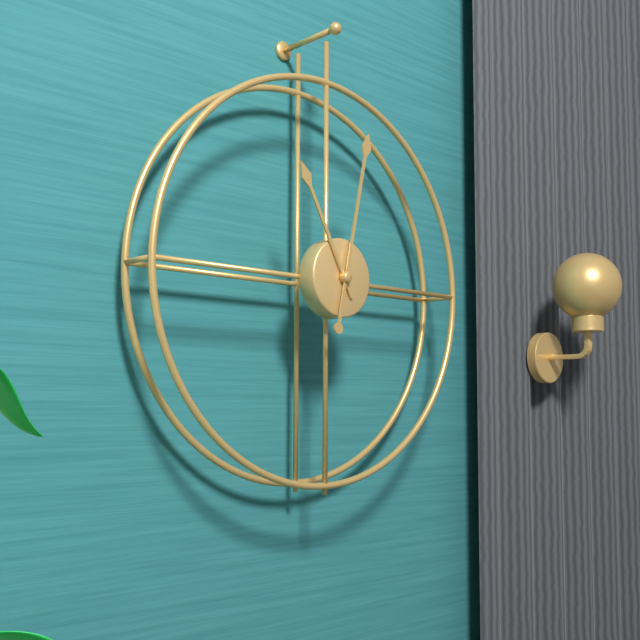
11:02
